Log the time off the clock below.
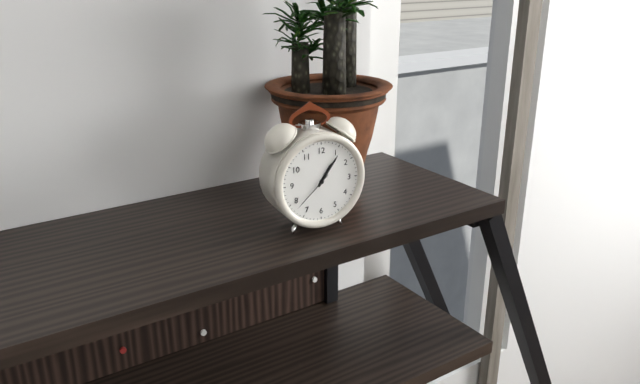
1:06
